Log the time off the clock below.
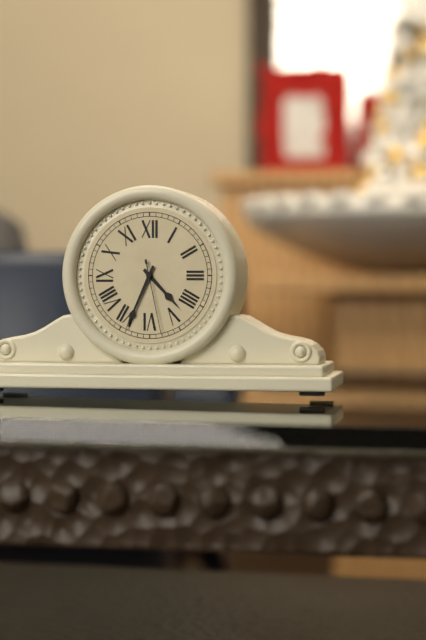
4:34:28
